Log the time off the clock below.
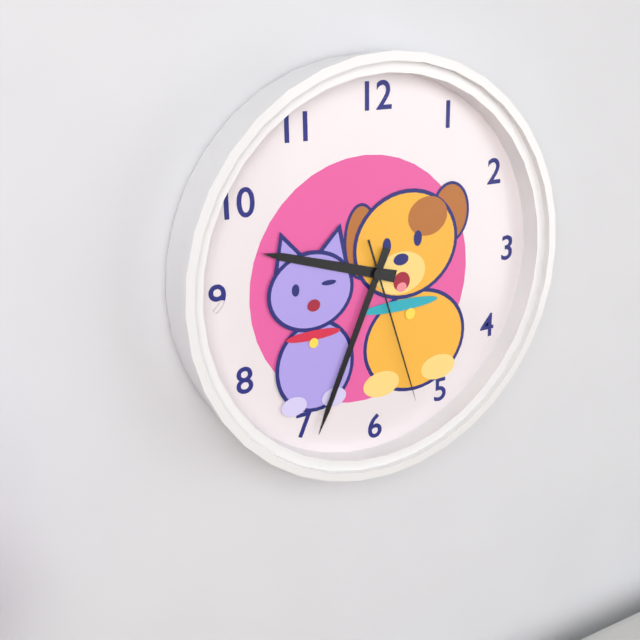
9:34:27
